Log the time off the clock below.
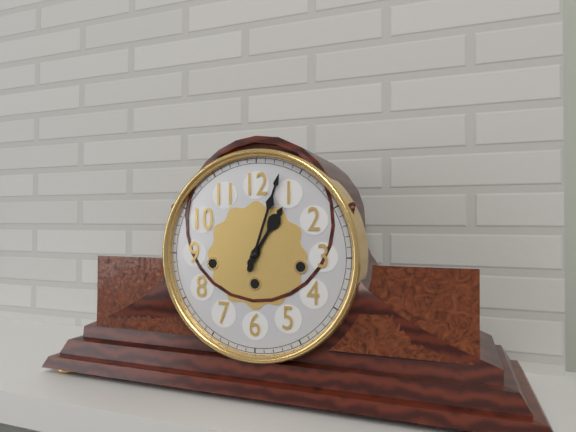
1:03
